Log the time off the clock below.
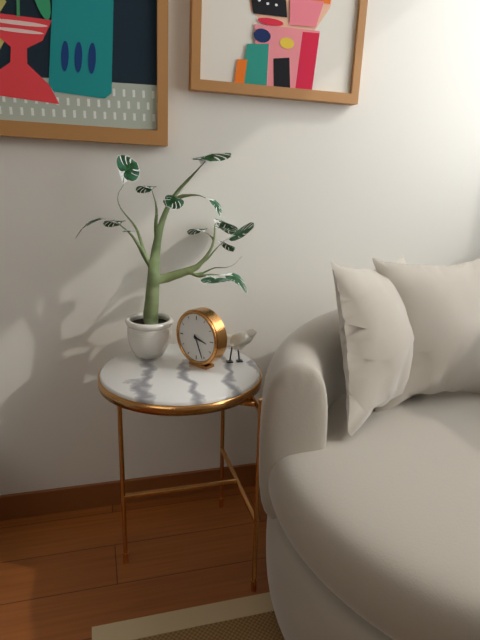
3:26
